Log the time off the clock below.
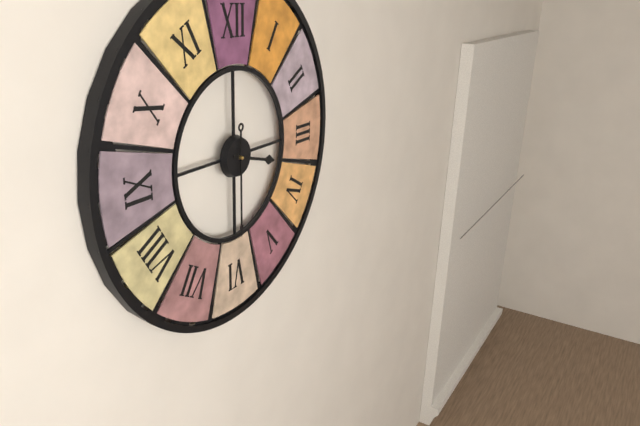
3:30
